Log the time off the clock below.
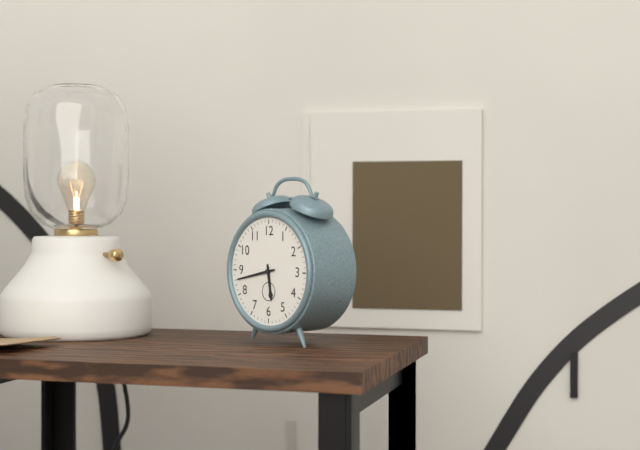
5:43
